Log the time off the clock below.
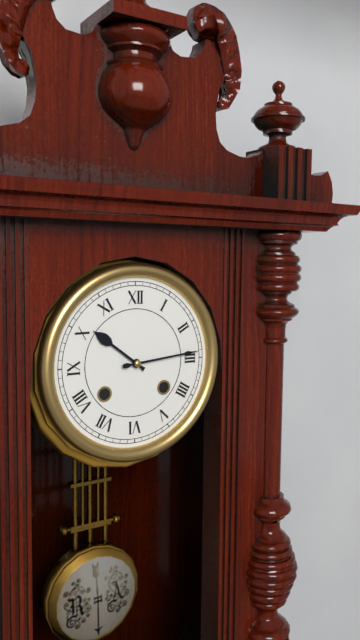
10:14
